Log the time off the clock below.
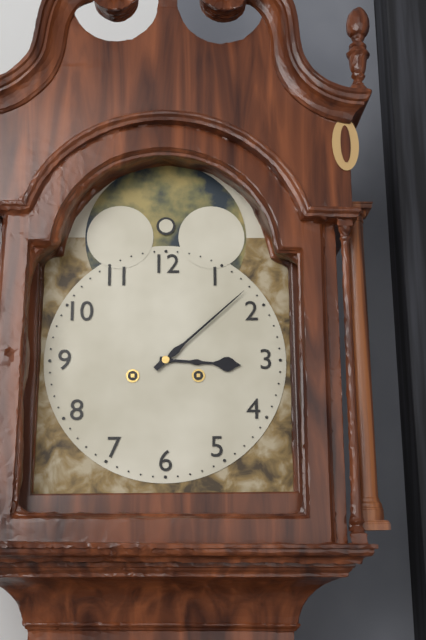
3:08
